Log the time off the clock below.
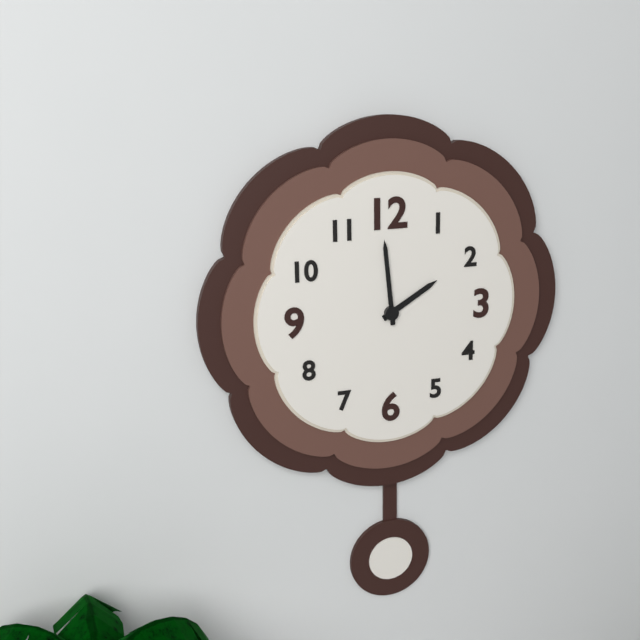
1:59
